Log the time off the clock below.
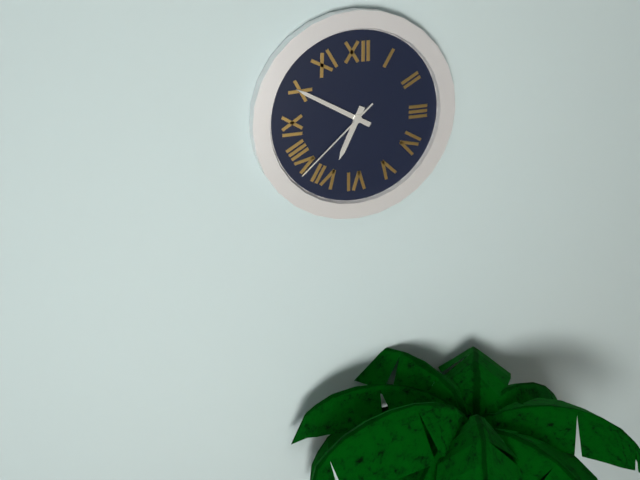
6:50:38
